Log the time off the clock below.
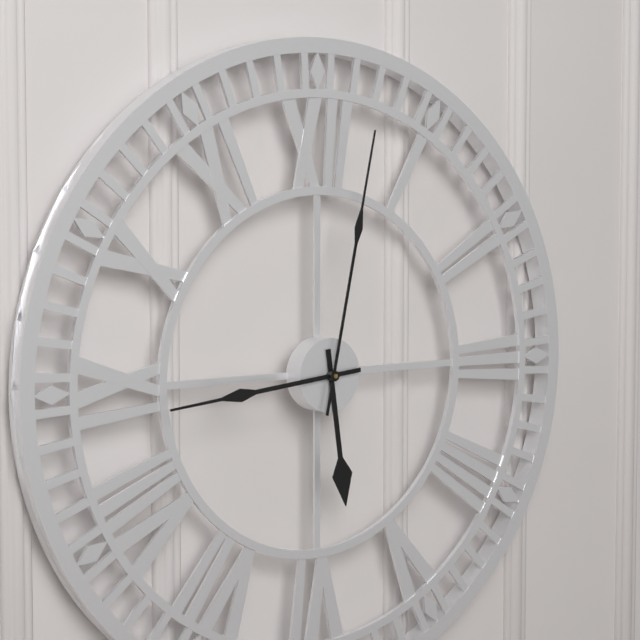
5:44:02
